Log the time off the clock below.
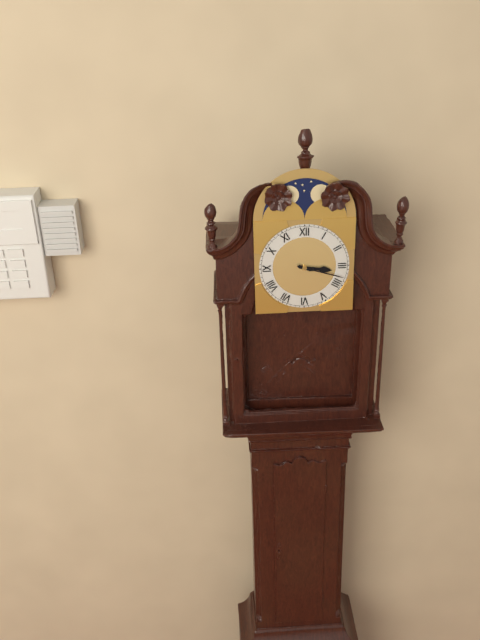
3:18
